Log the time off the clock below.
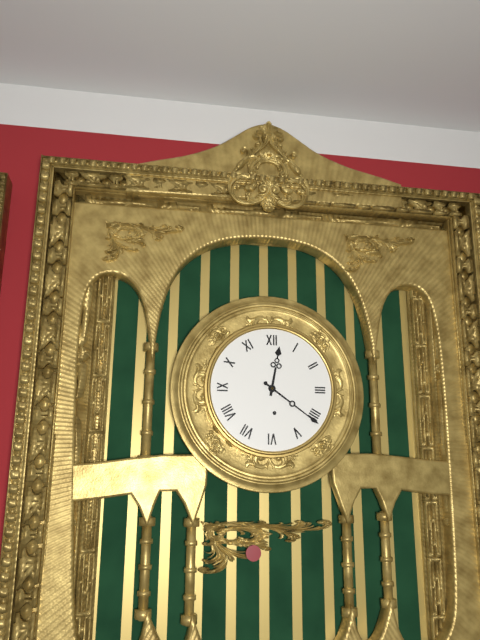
12:21
